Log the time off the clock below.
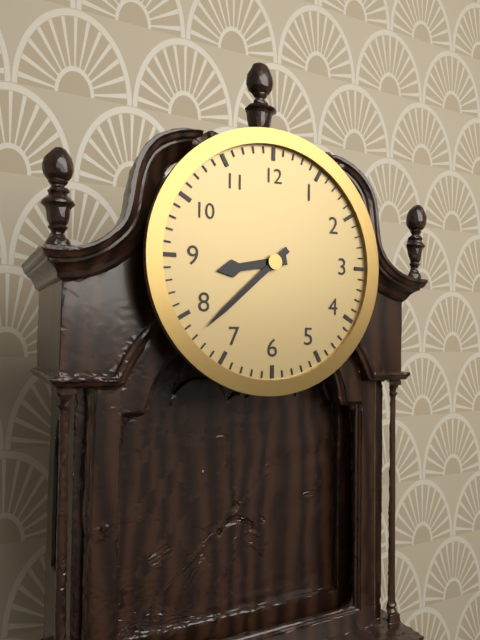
8:38
